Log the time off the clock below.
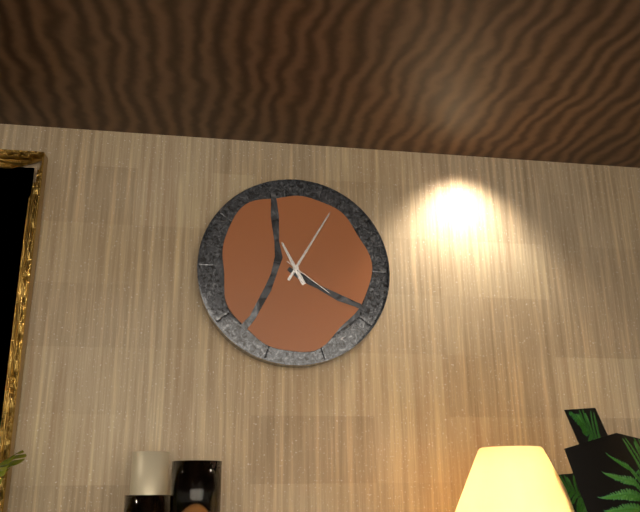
11:05:21
